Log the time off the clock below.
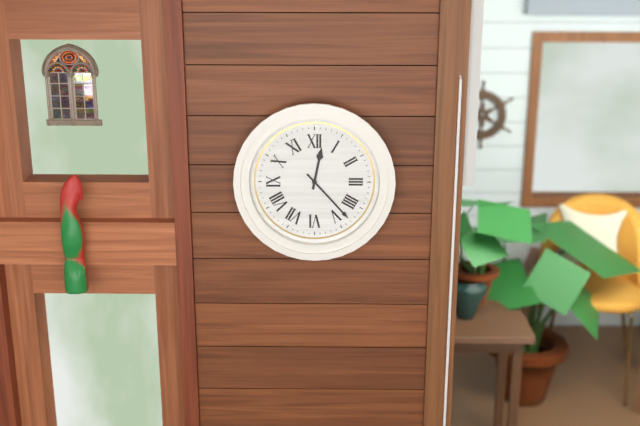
12:23
